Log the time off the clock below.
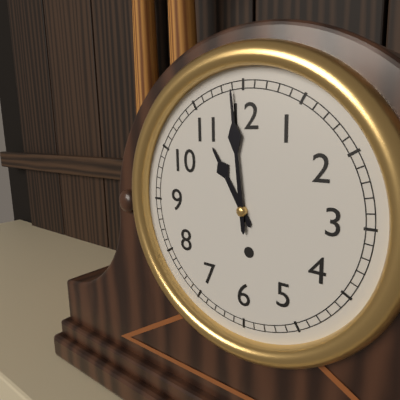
10:59
